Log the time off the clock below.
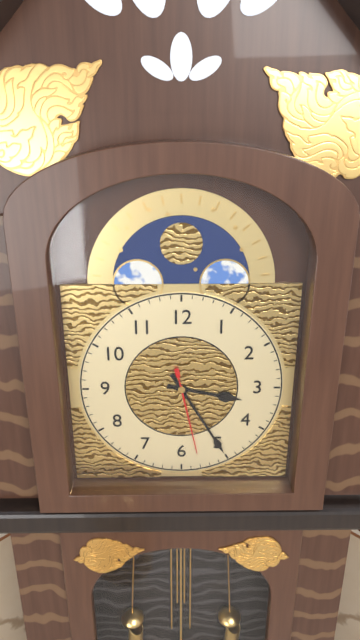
3:25:28
